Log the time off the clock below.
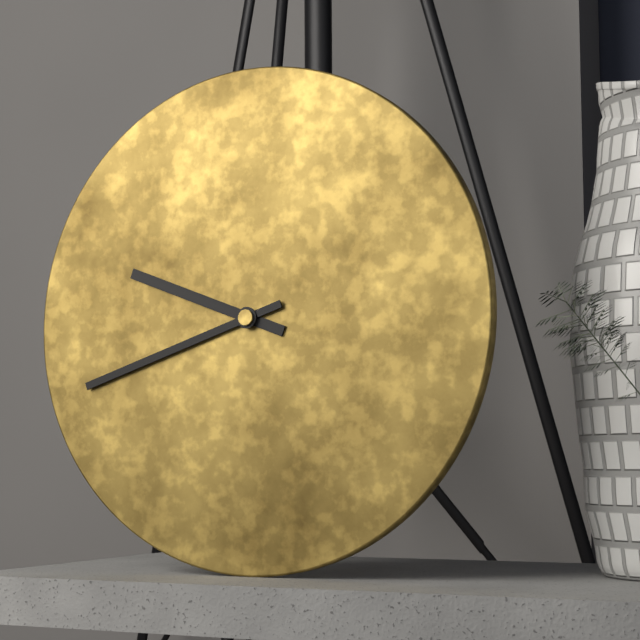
9:42
